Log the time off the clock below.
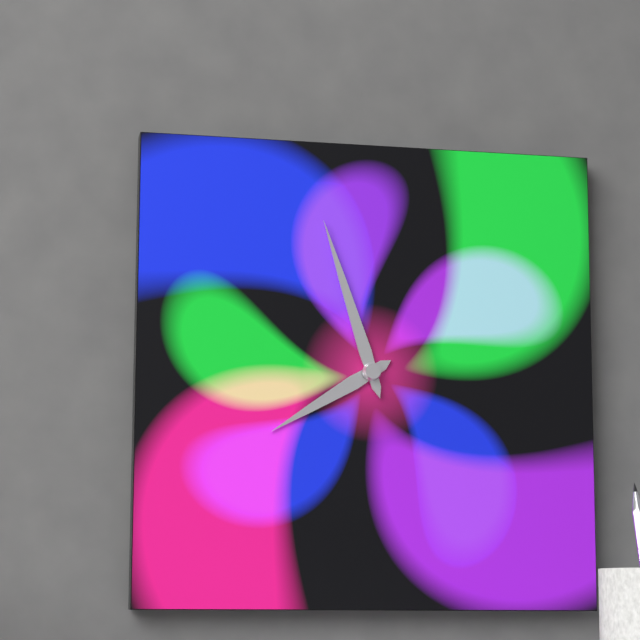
7:57
